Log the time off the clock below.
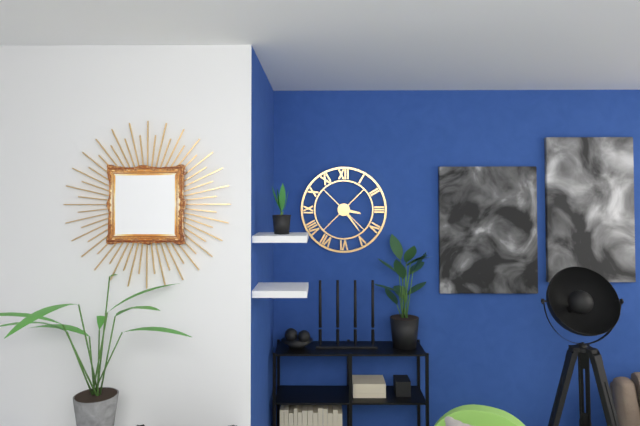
3:24
